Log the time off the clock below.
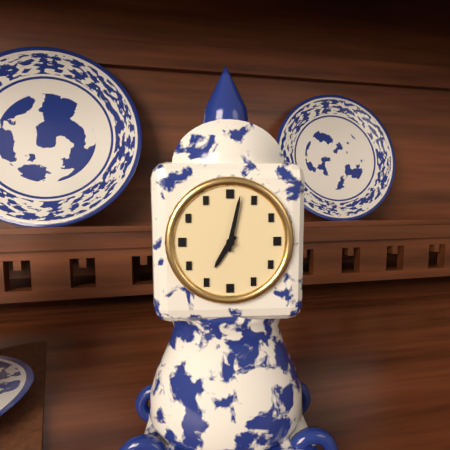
7:02
